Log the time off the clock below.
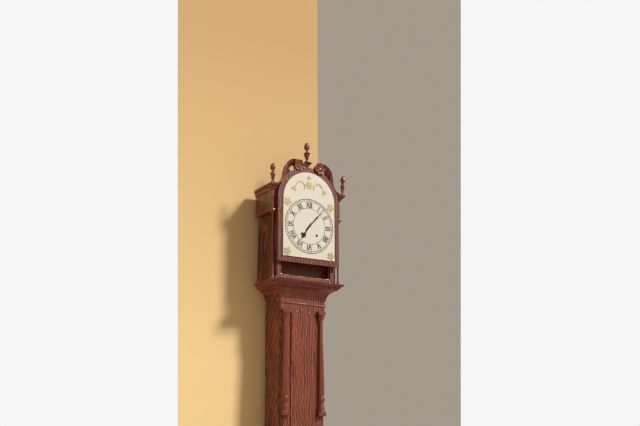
7:07
